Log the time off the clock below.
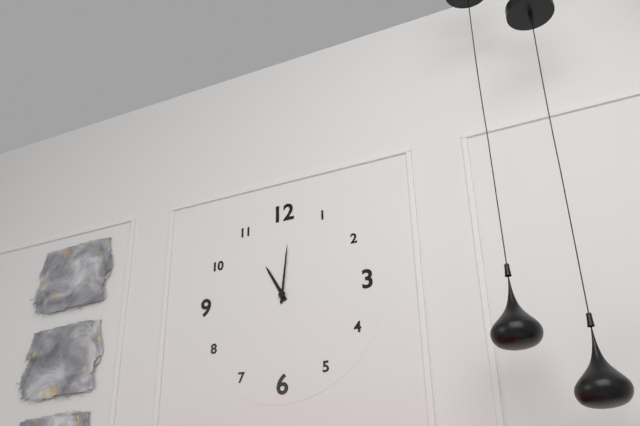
11:01
